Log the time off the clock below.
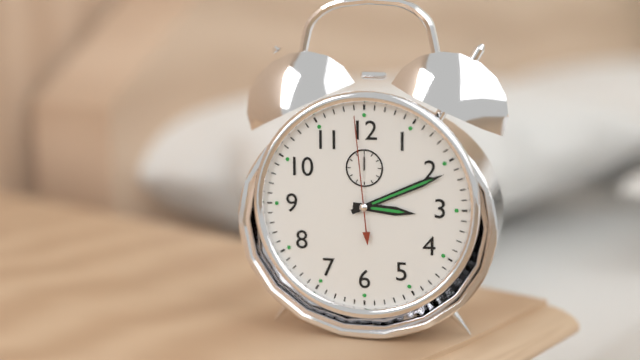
3:11:59
